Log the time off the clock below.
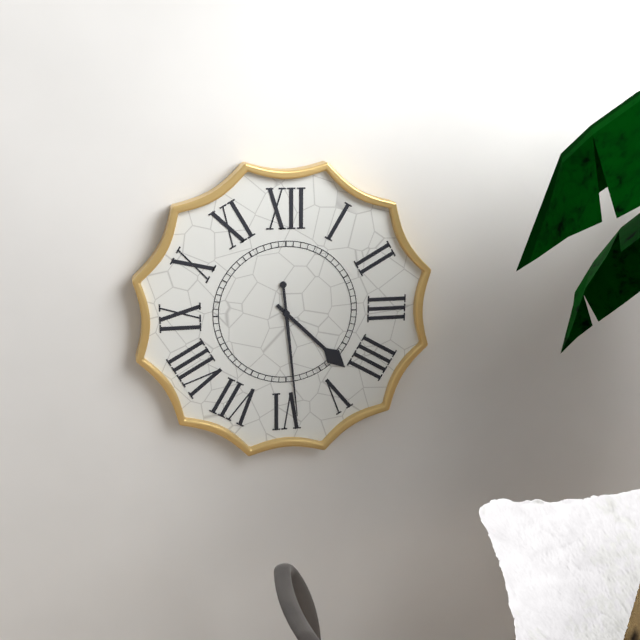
4:29
